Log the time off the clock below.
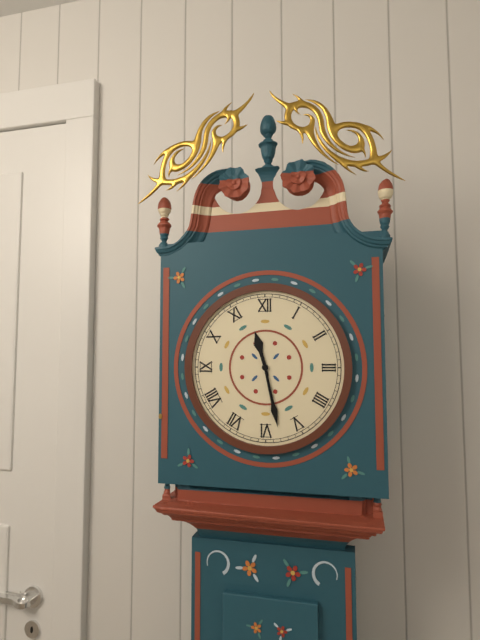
11:28
